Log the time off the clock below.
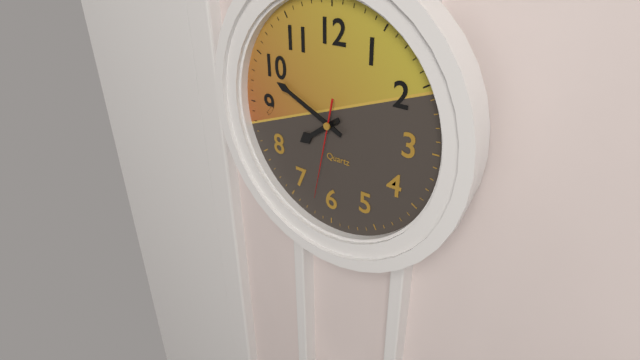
7:49:32
